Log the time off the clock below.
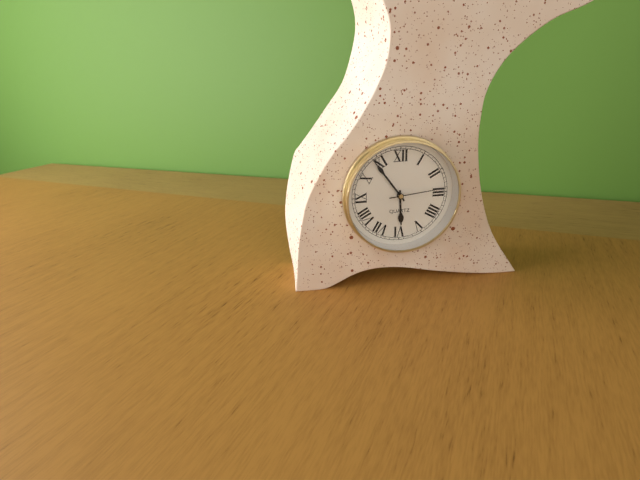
5:54:14
